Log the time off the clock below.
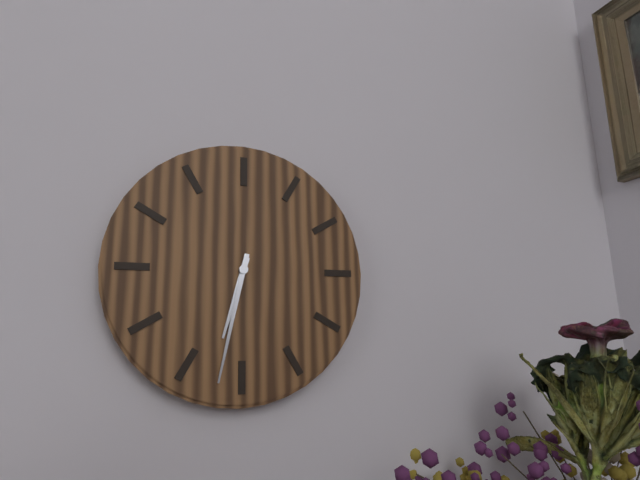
6:32
